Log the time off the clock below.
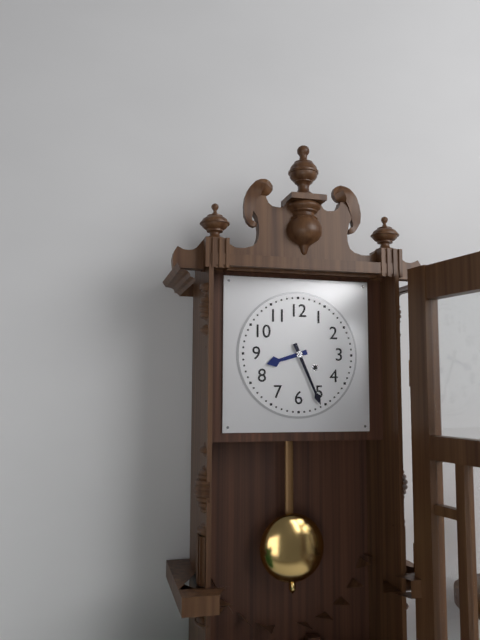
8:26
